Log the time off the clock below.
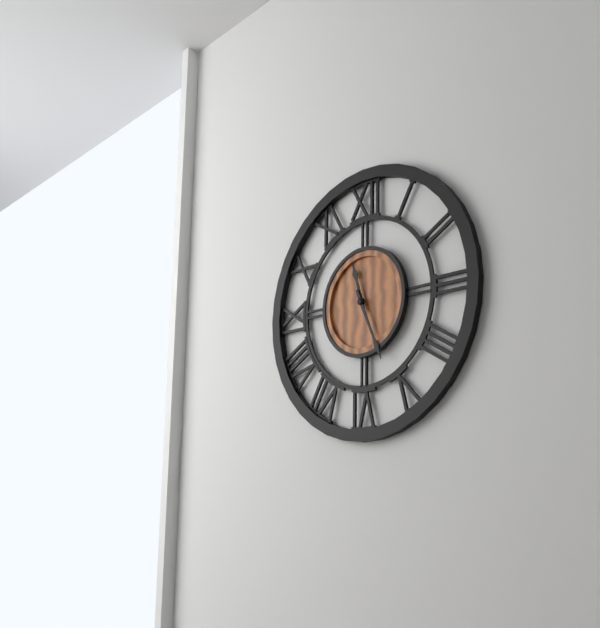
11:26
